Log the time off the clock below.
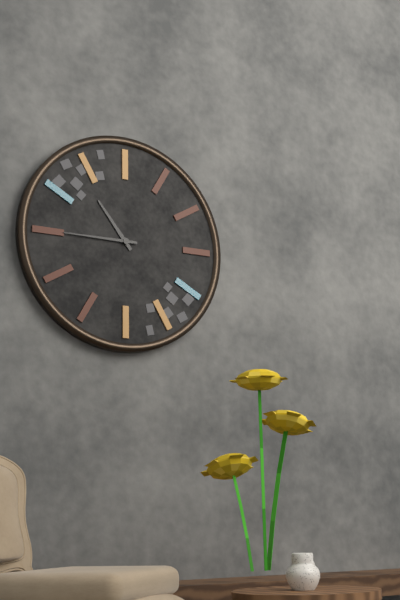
10:45
